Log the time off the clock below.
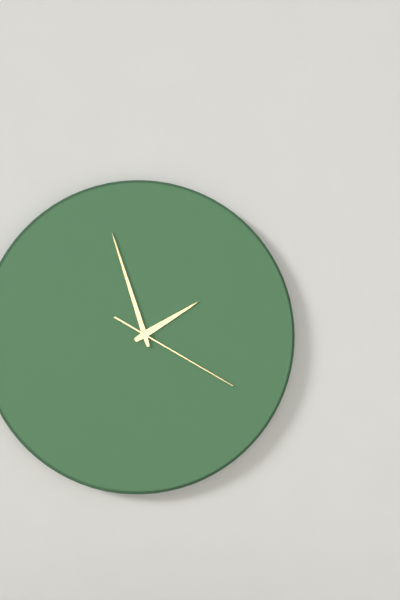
1:57:20
